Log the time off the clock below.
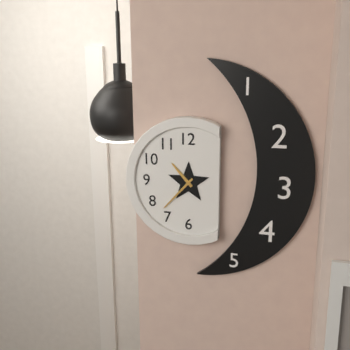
10:37
